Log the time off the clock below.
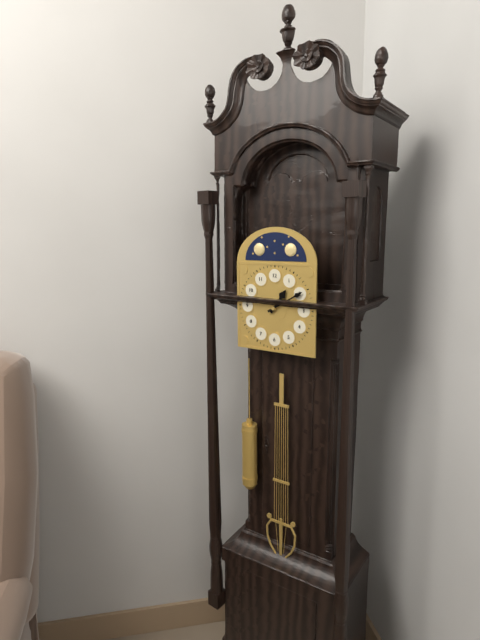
1:10
